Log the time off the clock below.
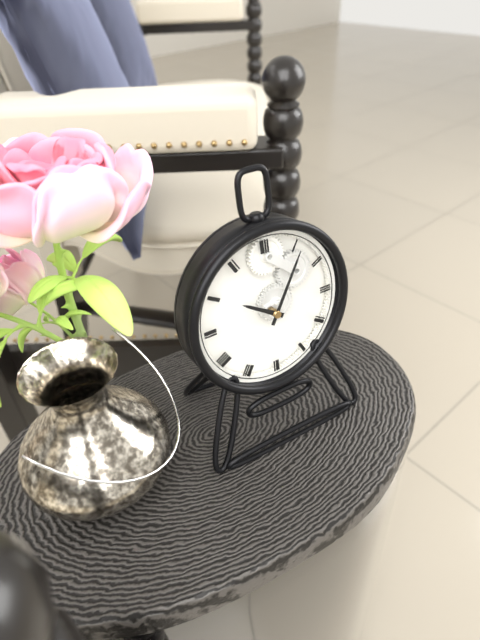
10:05
